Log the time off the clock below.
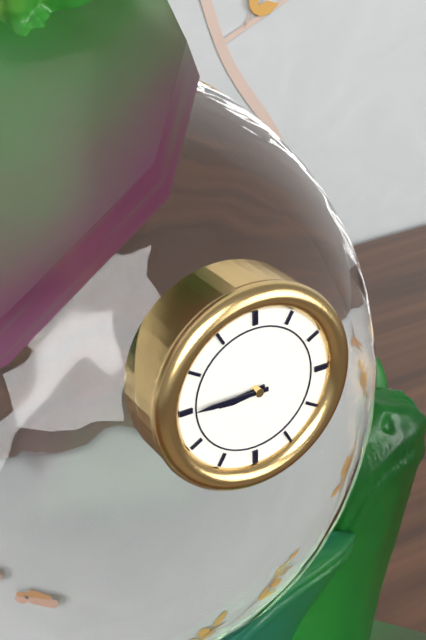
8:45
